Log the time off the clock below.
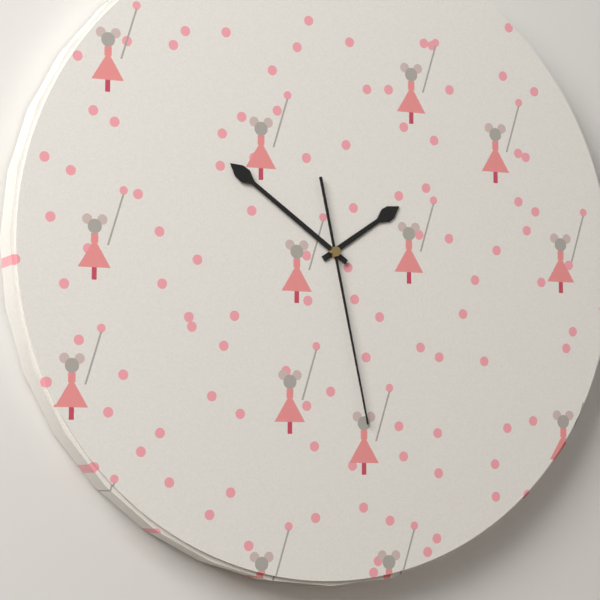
1:51:28
